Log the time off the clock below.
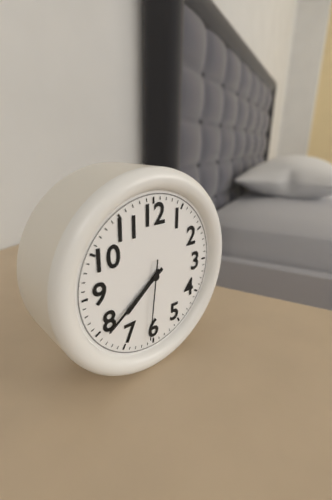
7:39:31
